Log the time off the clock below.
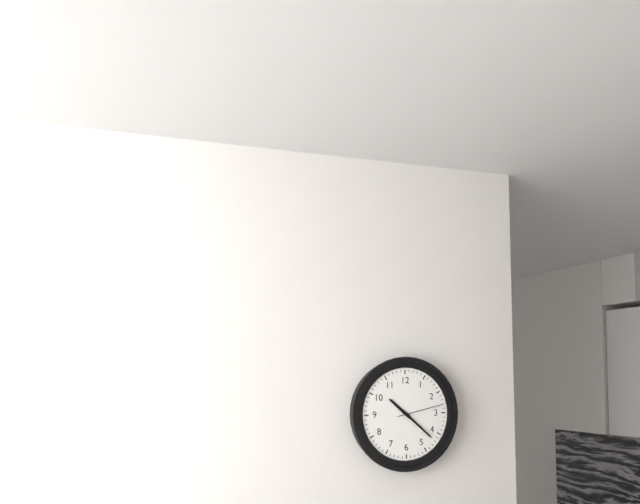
10:22
